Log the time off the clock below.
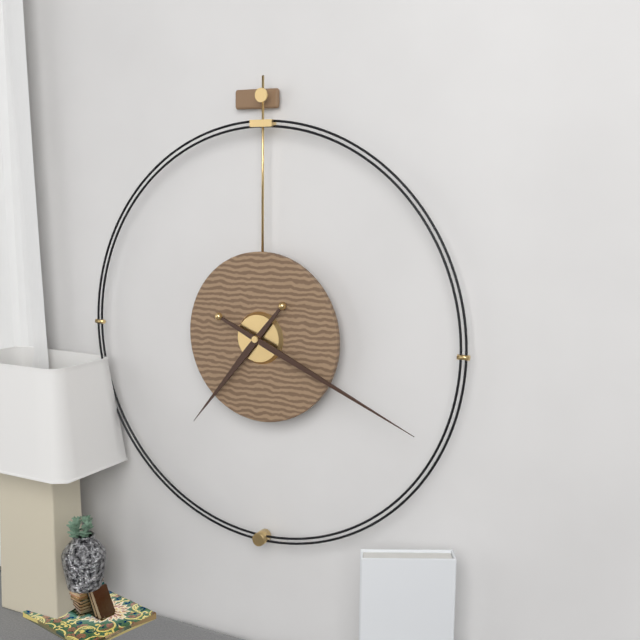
7:19
